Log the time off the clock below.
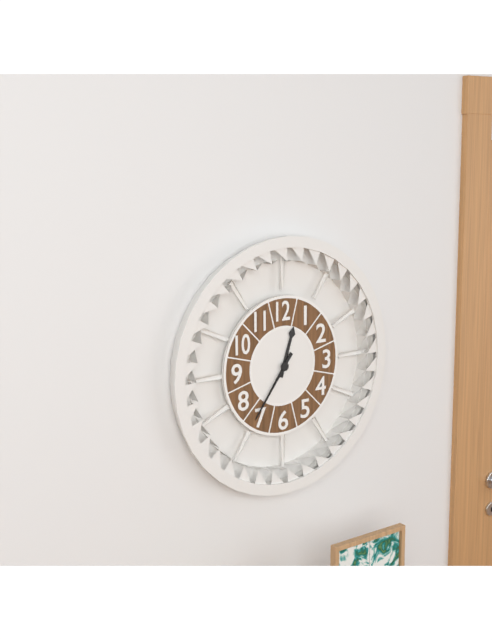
12:36
